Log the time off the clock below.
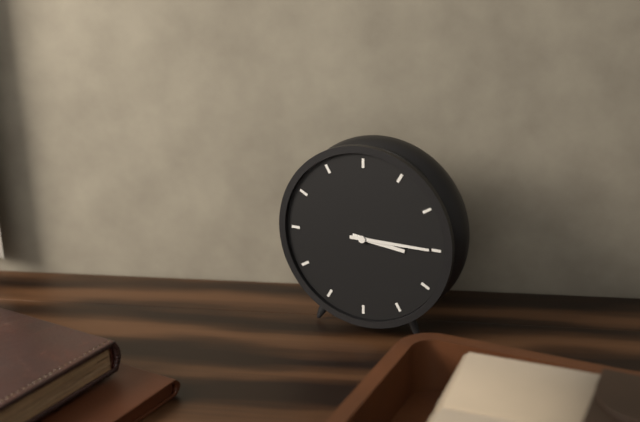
3:15
